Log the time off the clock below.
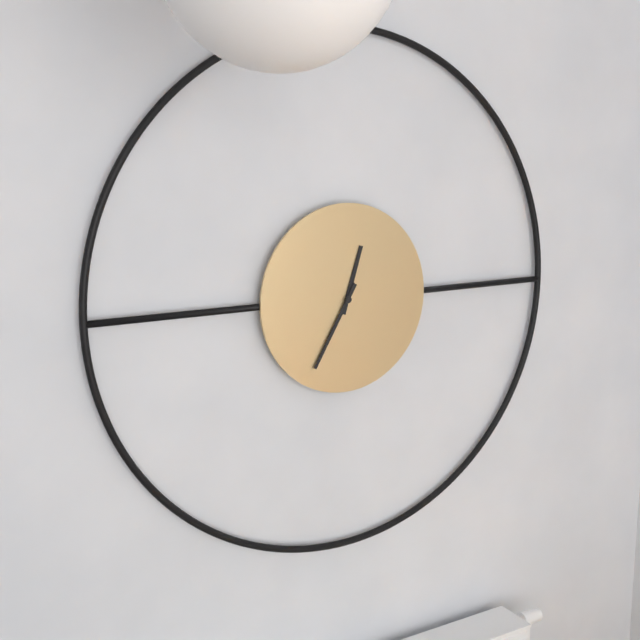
12:35
